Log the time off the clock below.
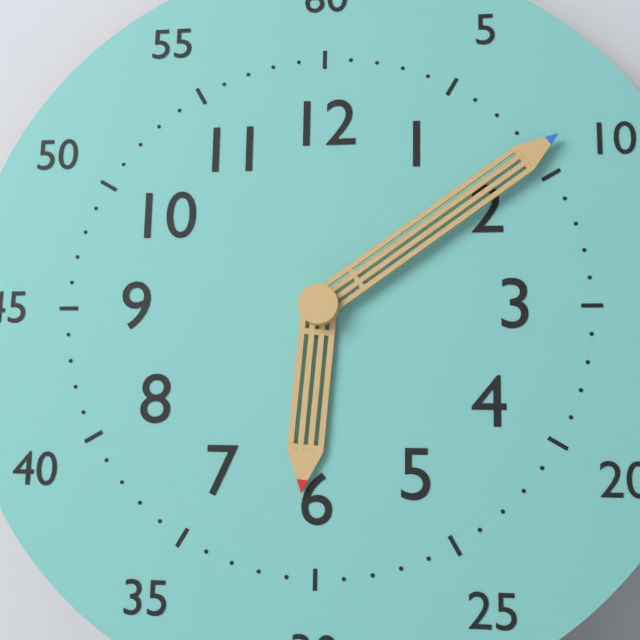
6:09
